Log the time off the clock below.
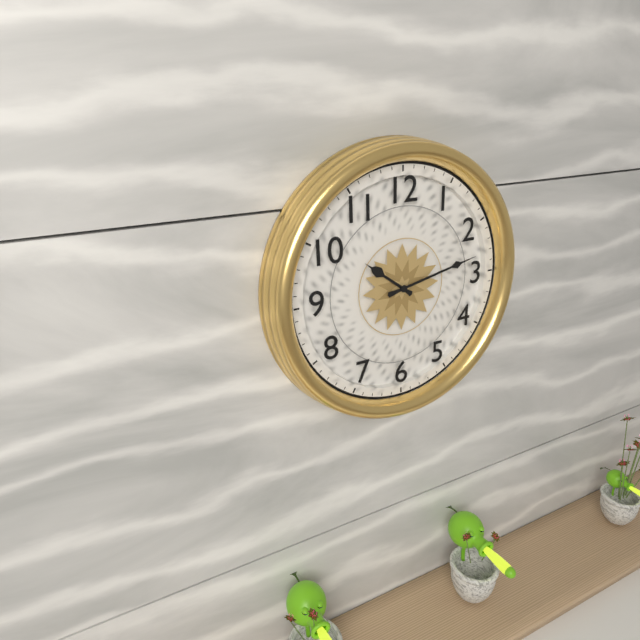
10:13
